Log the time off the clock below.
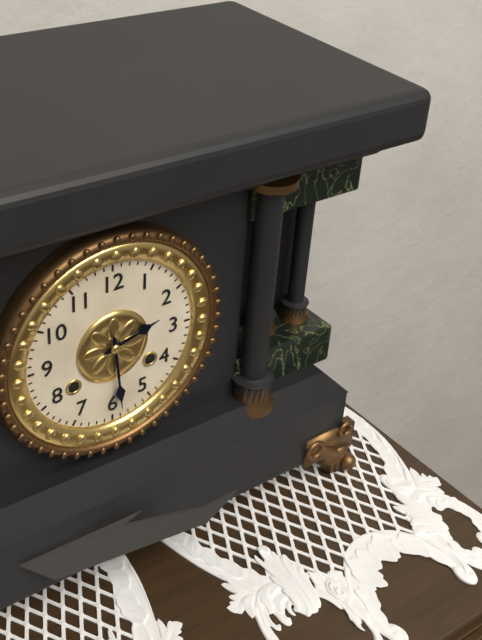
2:29
